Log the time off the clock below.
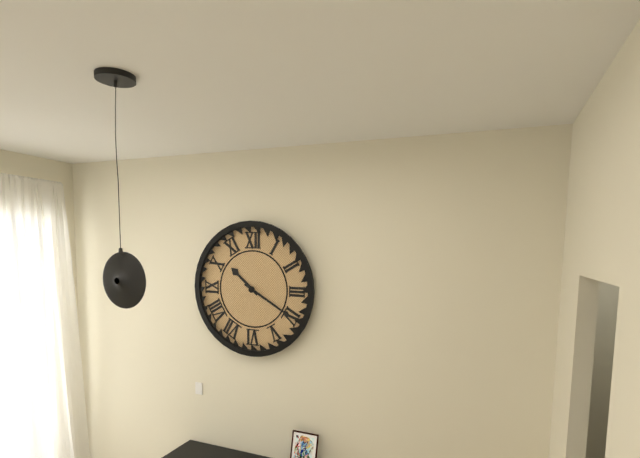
10:20
